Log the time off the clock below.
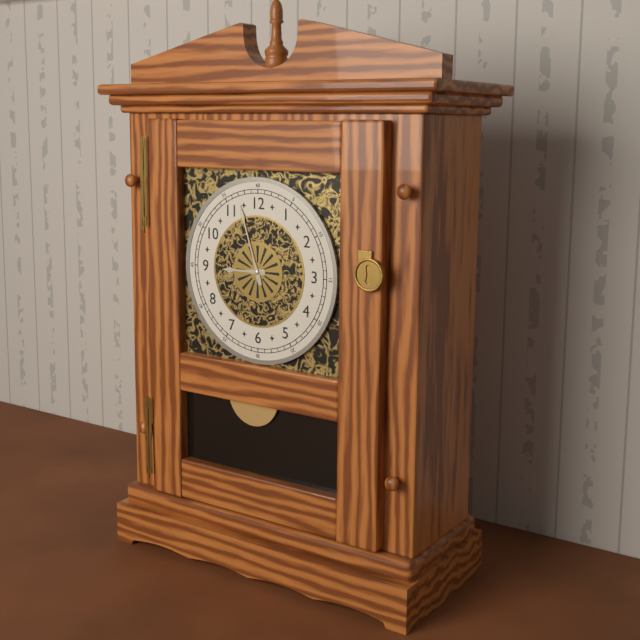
8:57
